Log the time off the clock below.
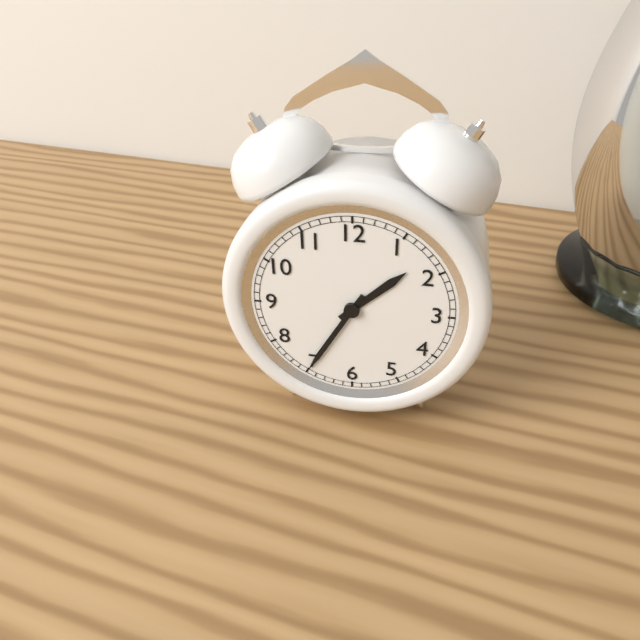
1:35
